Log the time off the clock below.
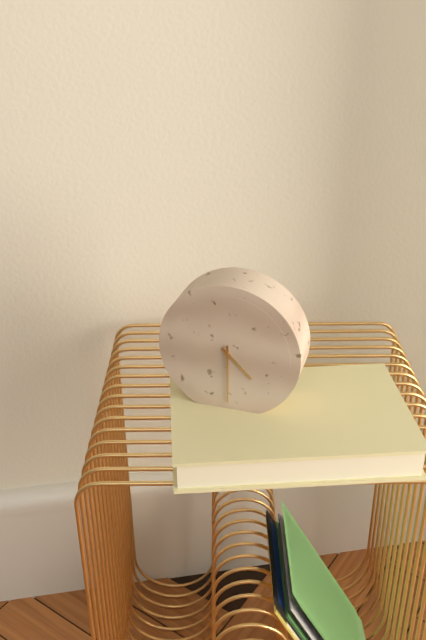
4:30
